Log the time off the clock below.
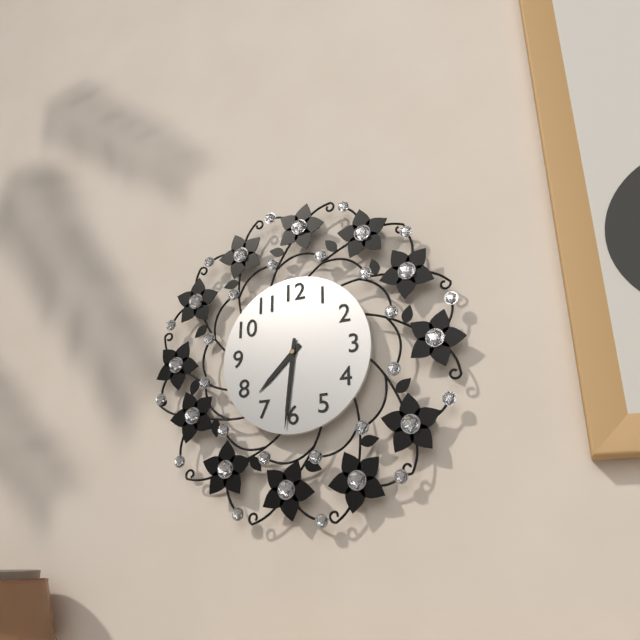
7:31
